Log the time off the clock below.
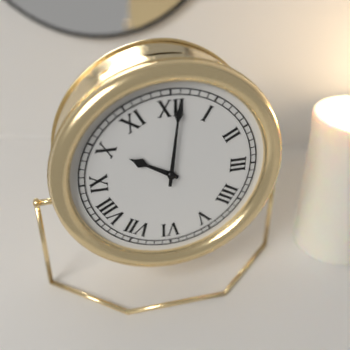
10:01
